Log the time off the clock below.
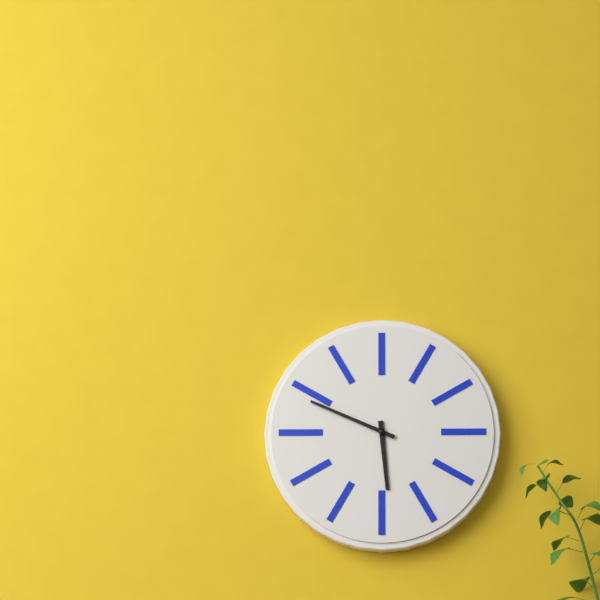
5:49
